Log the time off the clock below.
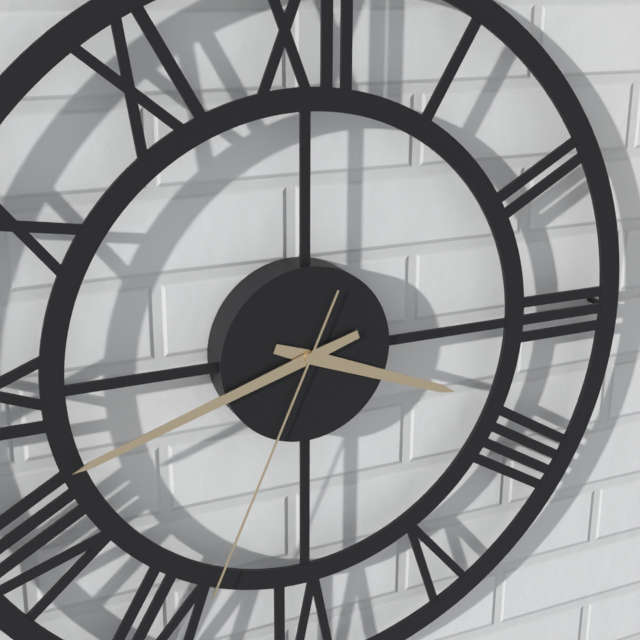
3:42:34
